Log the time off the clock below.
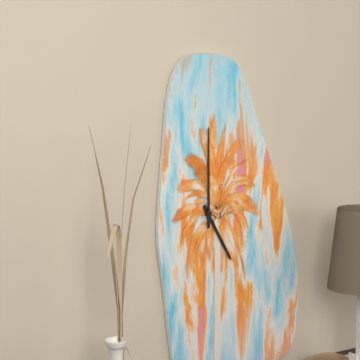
5:00
